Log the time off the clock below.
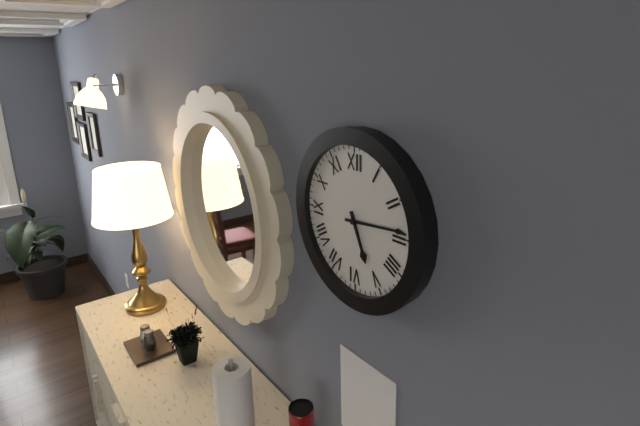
5:14
